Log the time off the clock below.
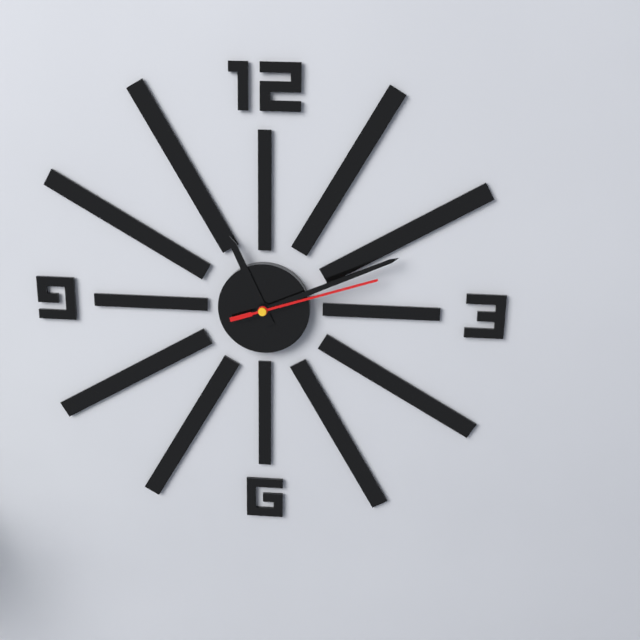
11:11:12
